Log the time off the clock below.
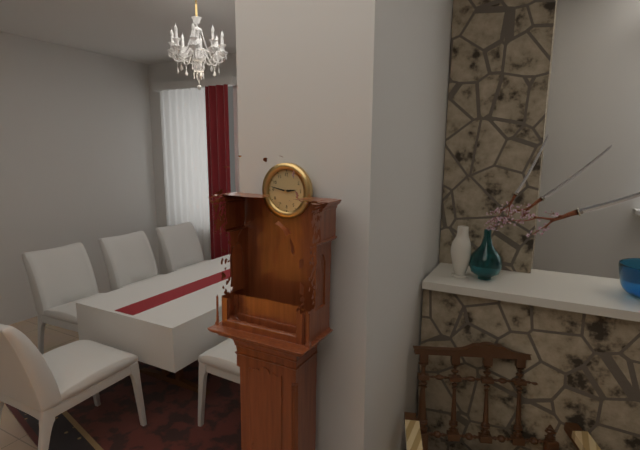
2:47
